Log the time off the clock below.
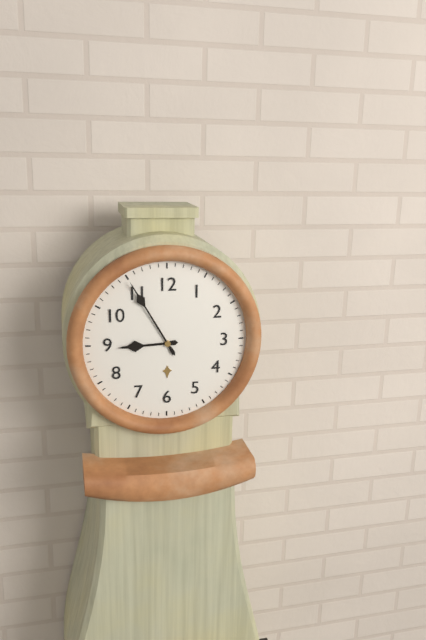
8:55
